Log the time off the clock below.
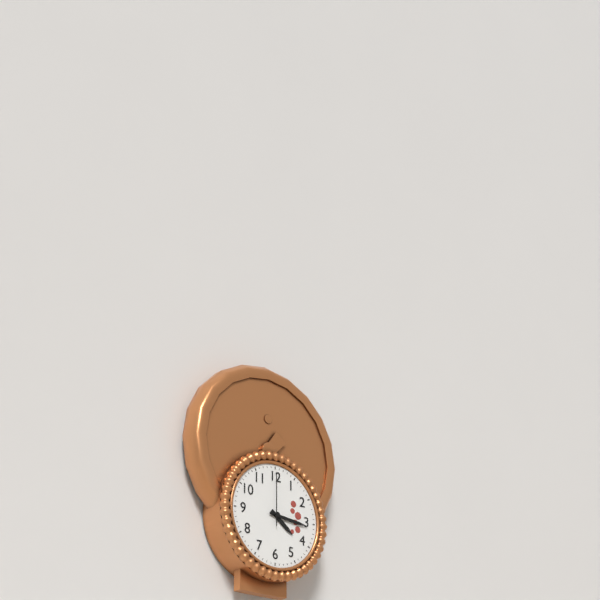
4:16:00
